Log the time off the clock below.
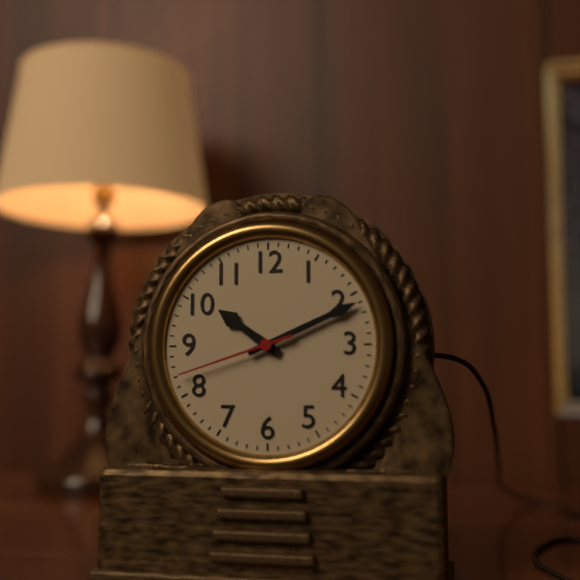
10:11:42
